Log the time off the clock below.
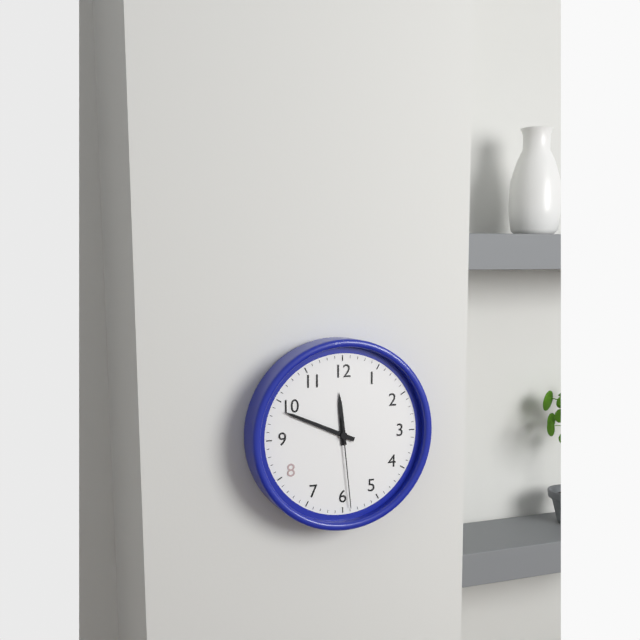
11:49:29
